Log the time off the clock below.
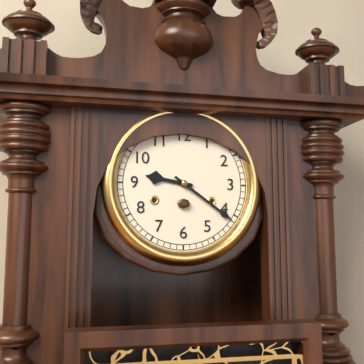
9:21
